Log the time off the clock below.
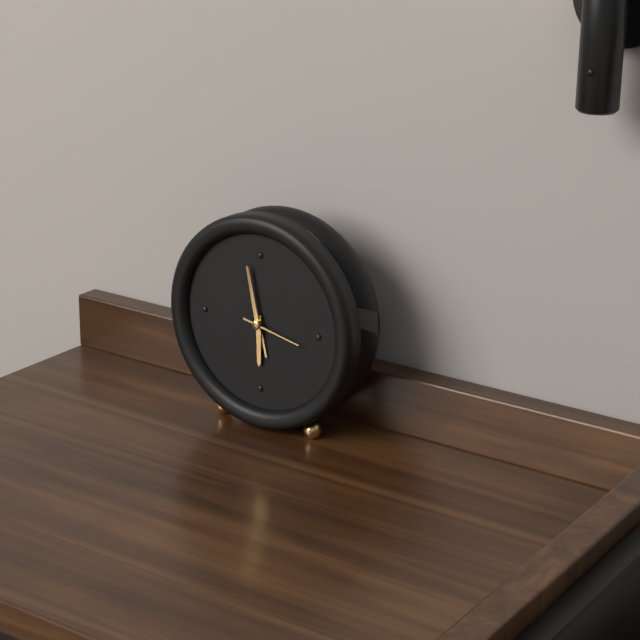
5:58:17
